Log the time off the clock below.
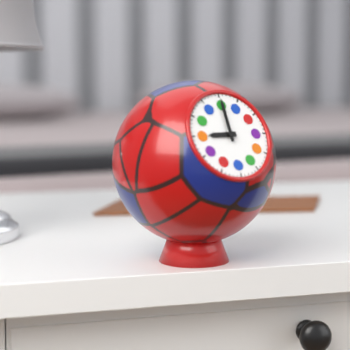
9:00
